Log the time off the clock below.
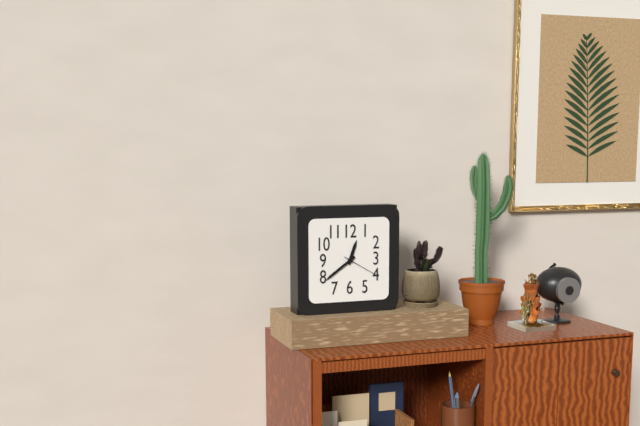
12:39
